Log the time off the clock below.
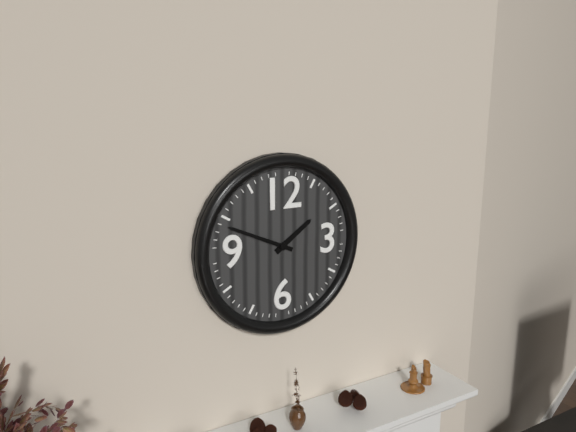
1:49
